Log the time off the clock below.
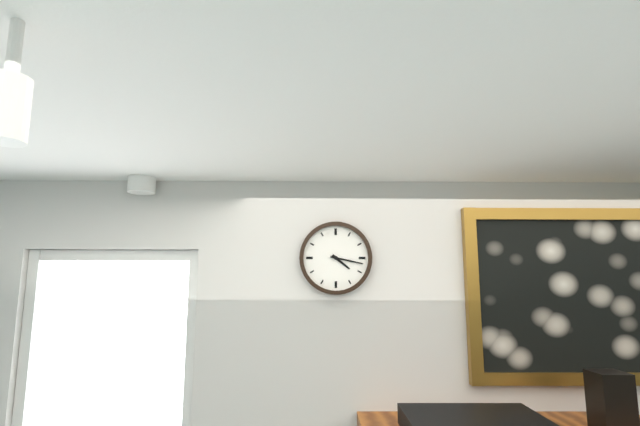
4:17
